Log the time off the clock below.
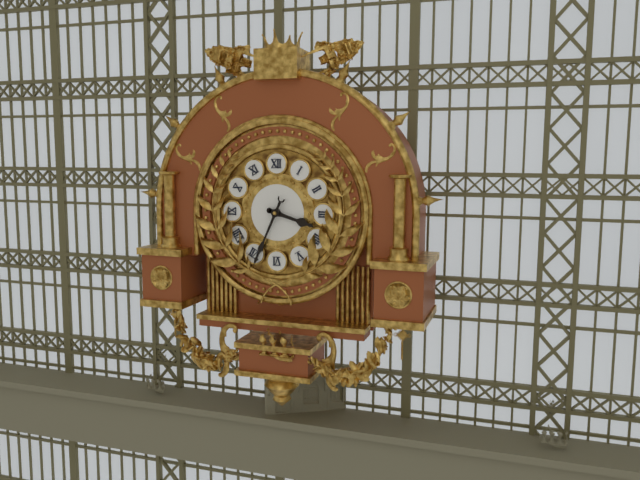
3:34
